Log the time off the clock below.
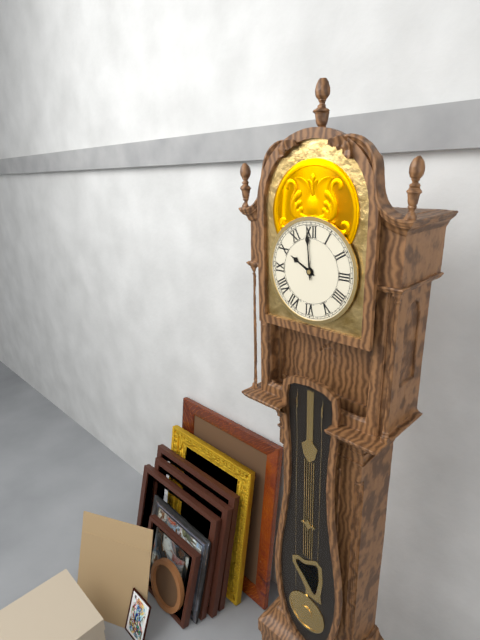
9:59
